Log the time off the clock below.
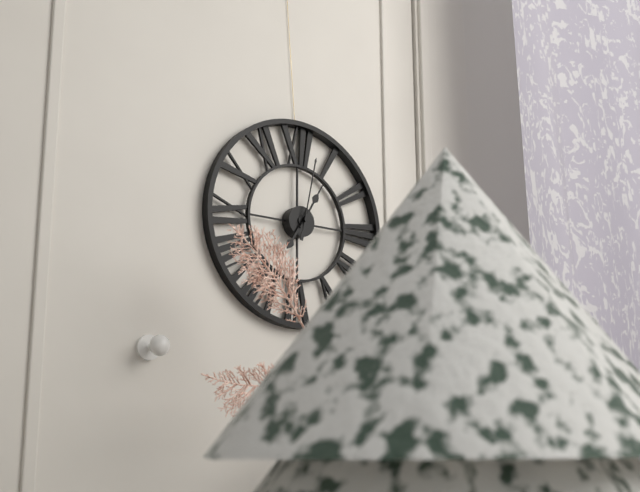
7:05:02
